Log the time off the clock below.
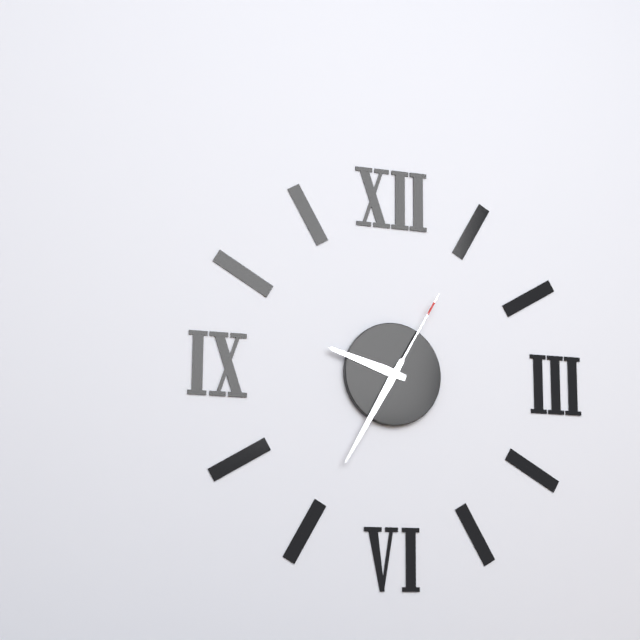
9:35:05
